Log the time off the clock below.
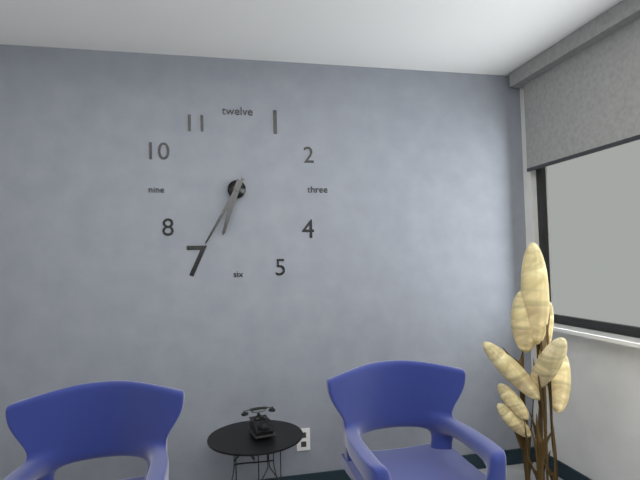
6:35
